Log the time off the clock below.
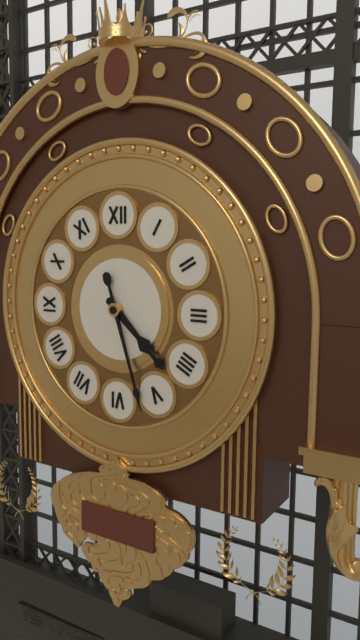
4:27
